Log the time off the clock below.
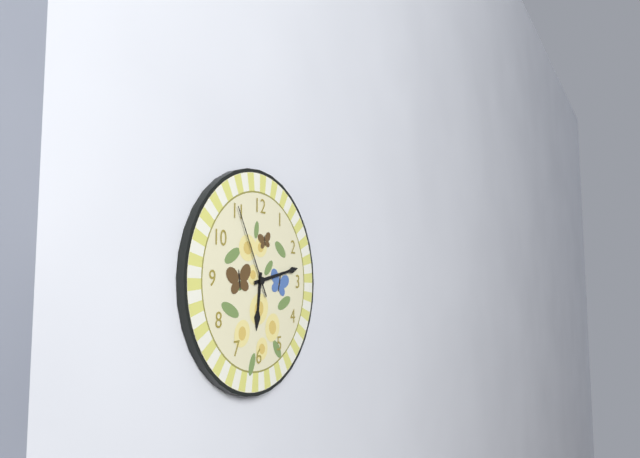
6:13:55
